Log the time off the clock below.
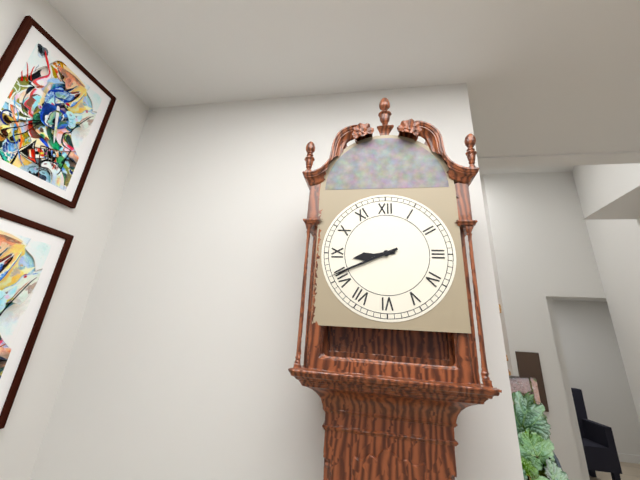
8:41
